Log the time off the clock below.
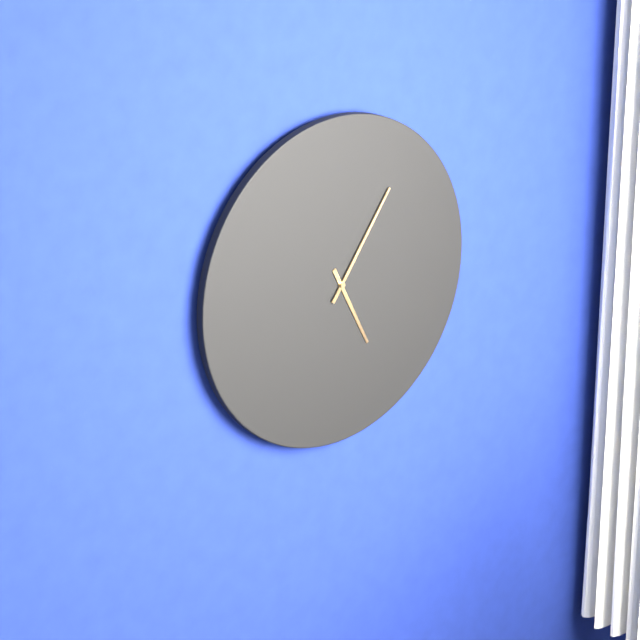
5:06
